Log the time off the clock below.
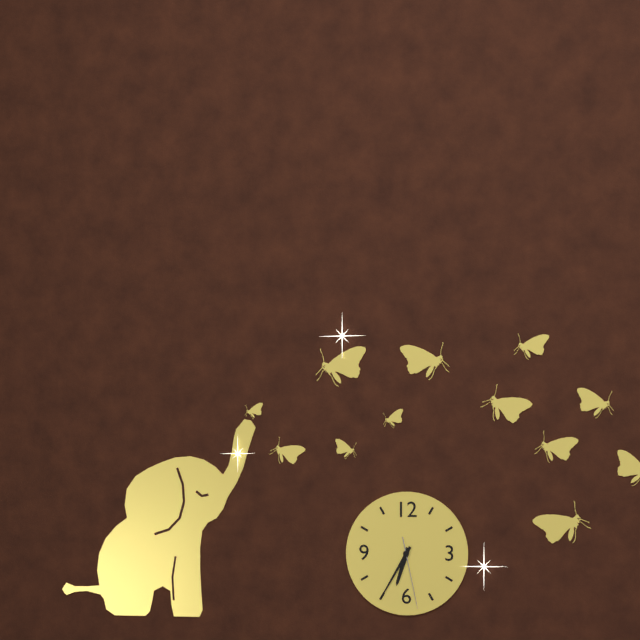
6:35:28
